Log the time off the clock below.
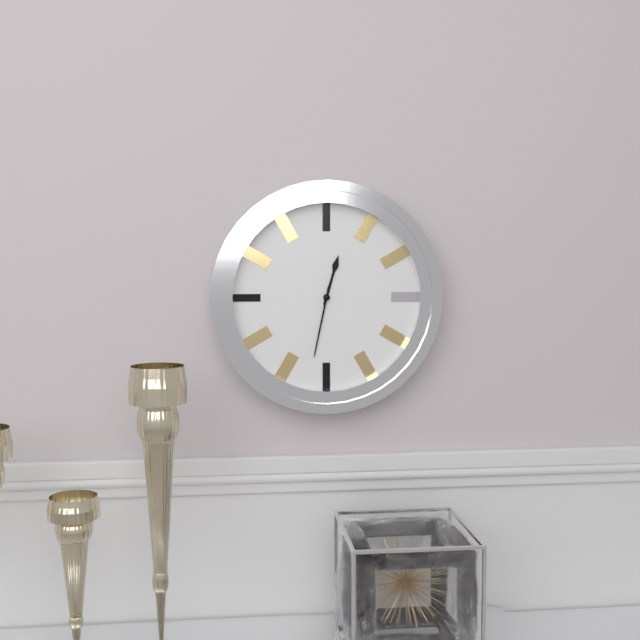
12:32
